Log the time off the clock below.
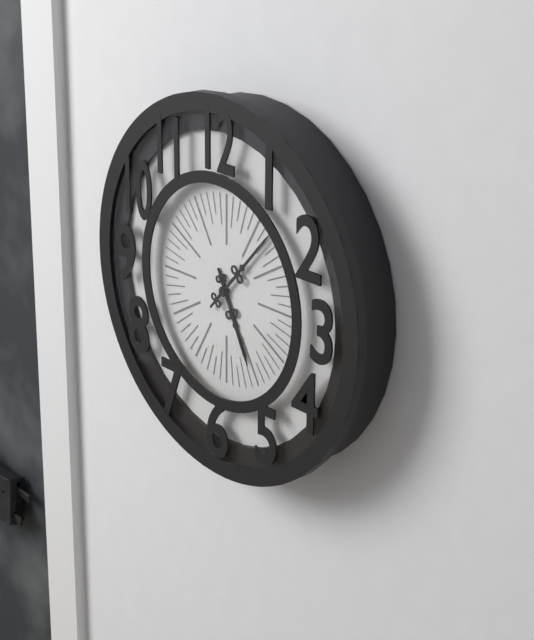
5:07
